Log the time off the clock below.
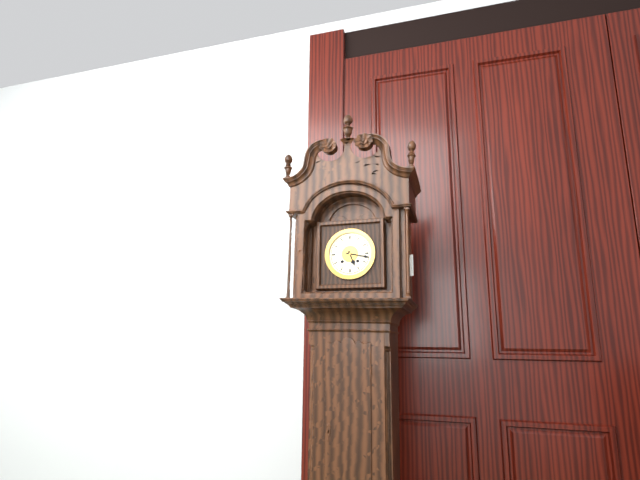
5:17
